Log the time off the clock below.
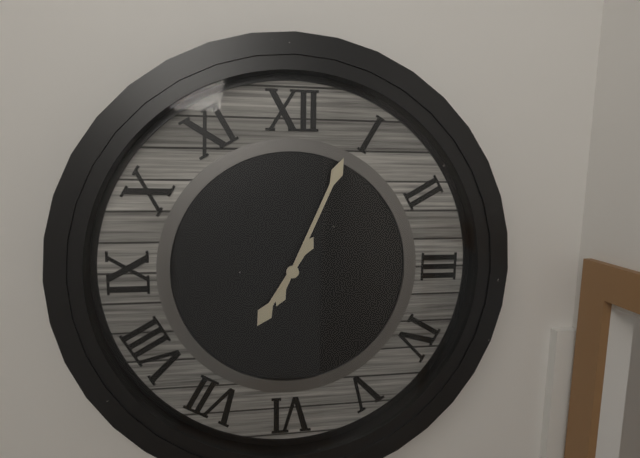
7:04
